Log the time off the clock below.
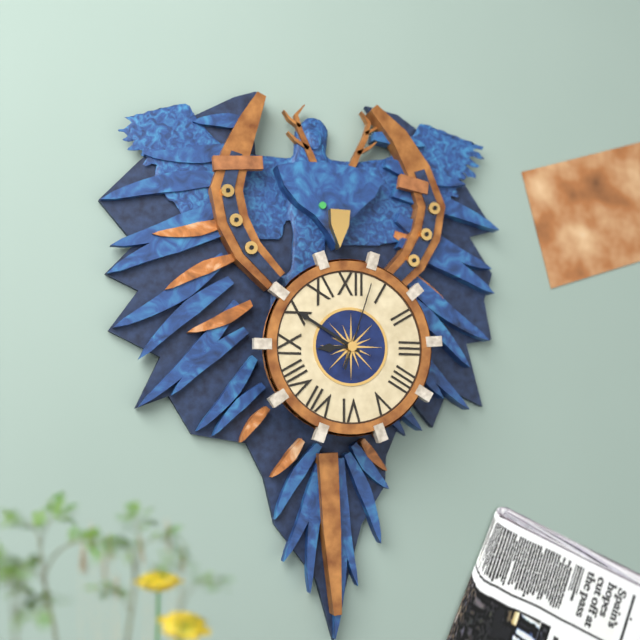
8:50:03
